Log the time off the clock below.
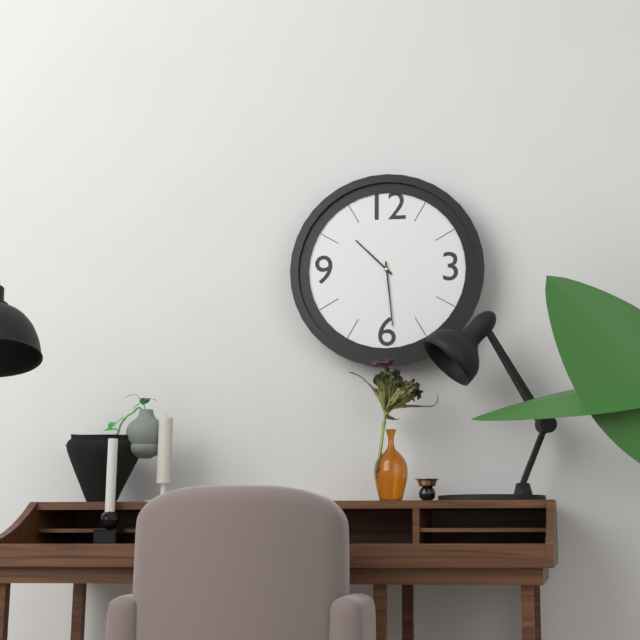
10:29
